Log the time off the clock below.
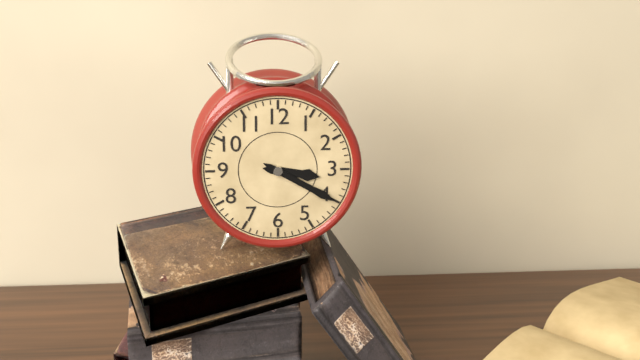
3:20
